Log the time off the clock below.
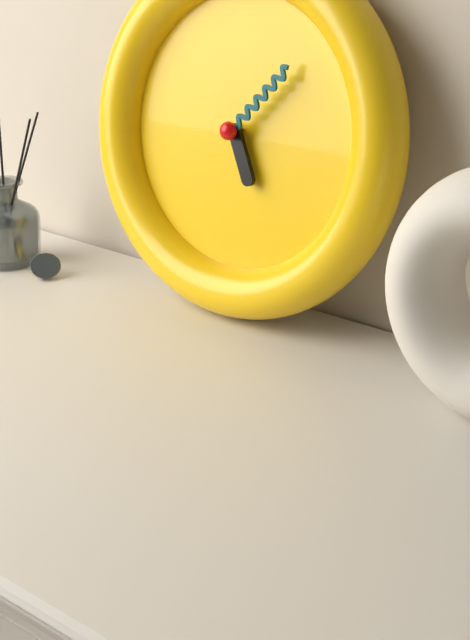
5:07
